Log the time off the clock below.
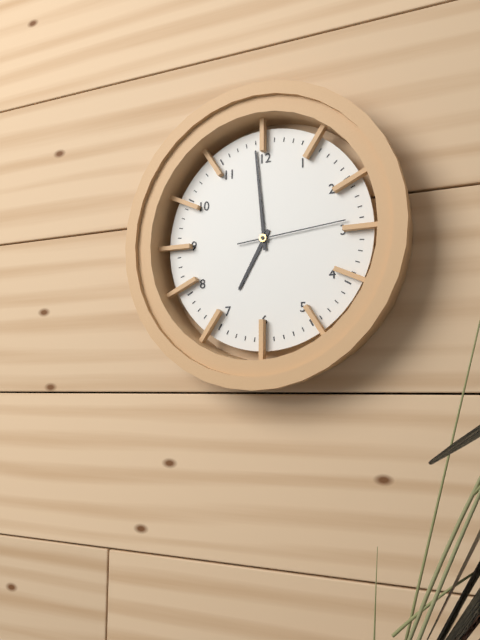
6:59:14
